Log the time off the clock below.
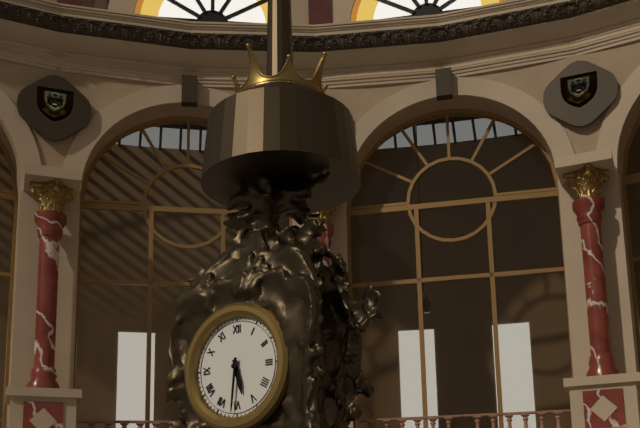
5:31
